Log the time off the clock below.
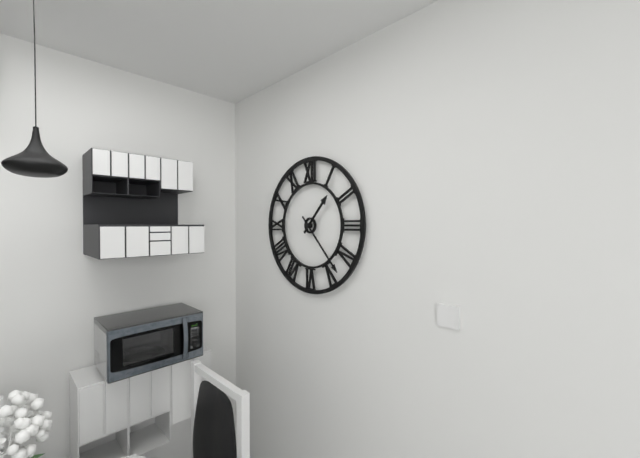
1:23
